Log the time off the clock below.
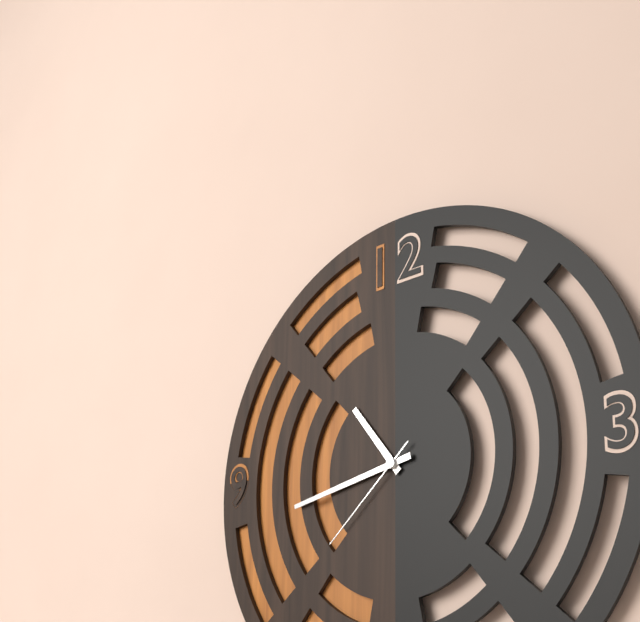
10:43:38
